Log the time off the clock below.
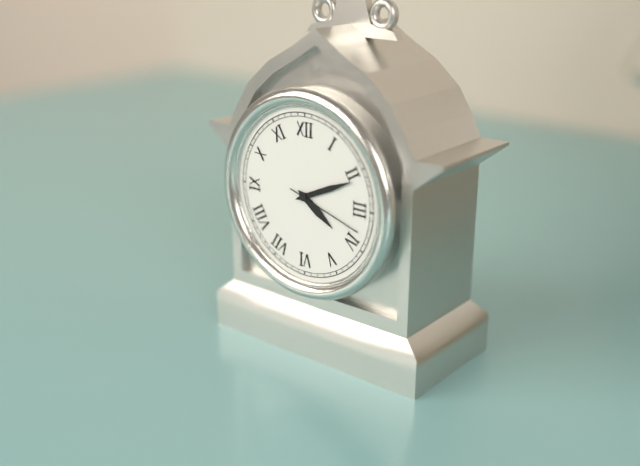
4:11:18
